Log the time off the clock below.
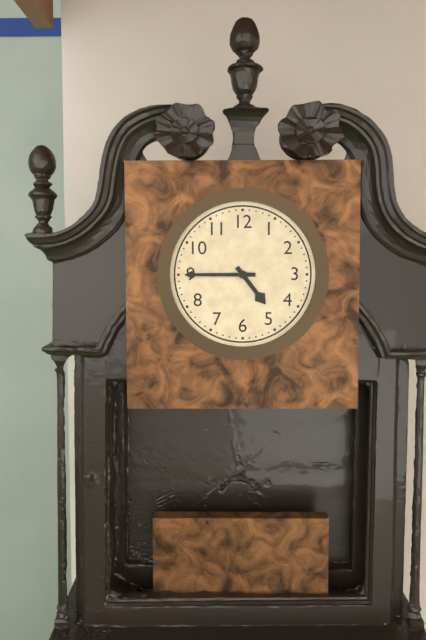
4:45
